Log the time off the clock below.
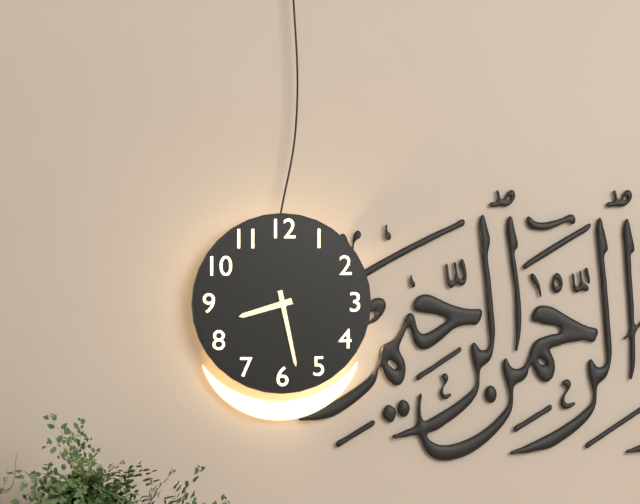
8:28
